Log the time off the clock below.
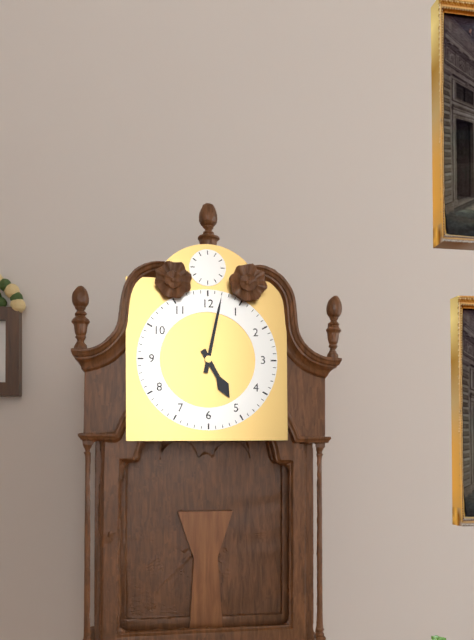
5:02
